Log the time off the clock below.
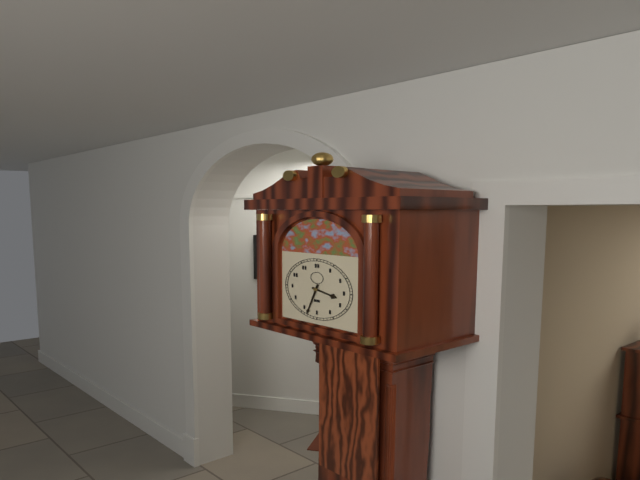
3:33
